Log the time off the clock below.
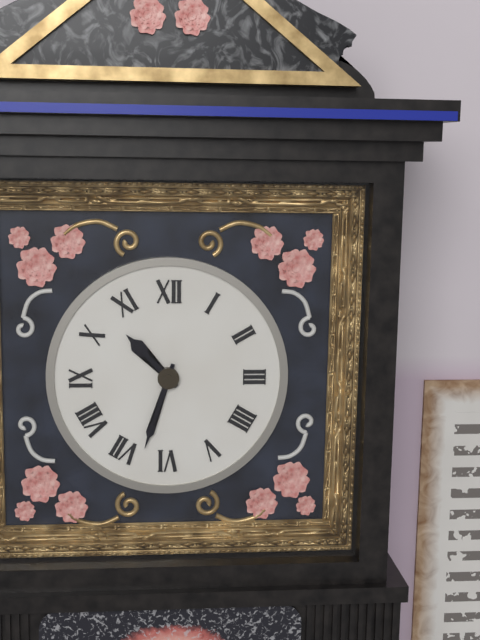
10:33
